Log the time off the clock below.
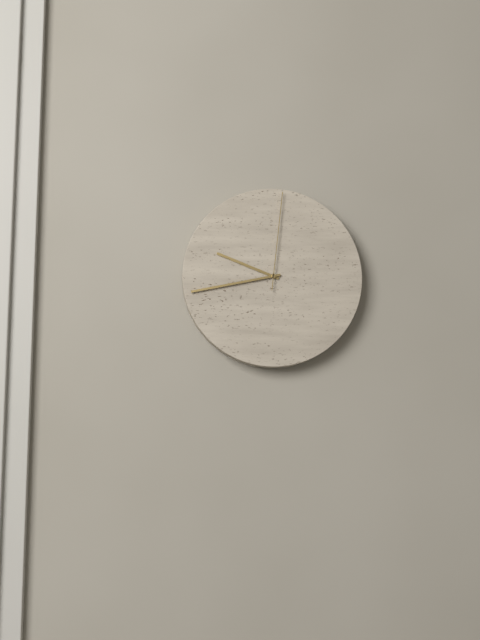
9:43:01
